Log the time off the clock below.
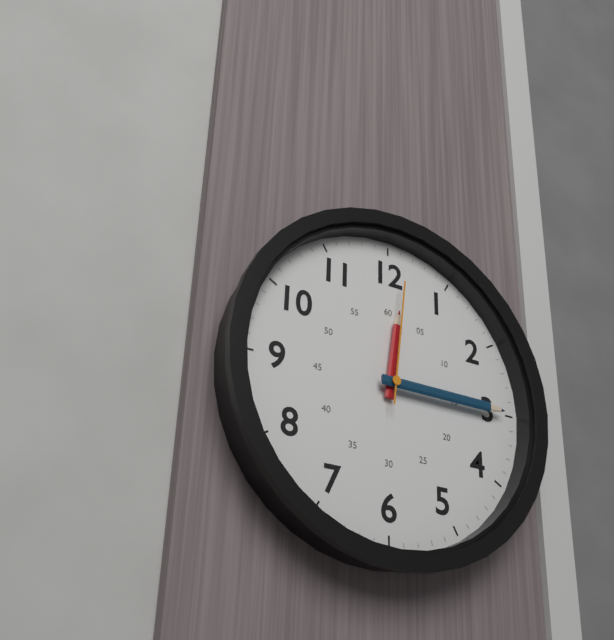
12:15:01
